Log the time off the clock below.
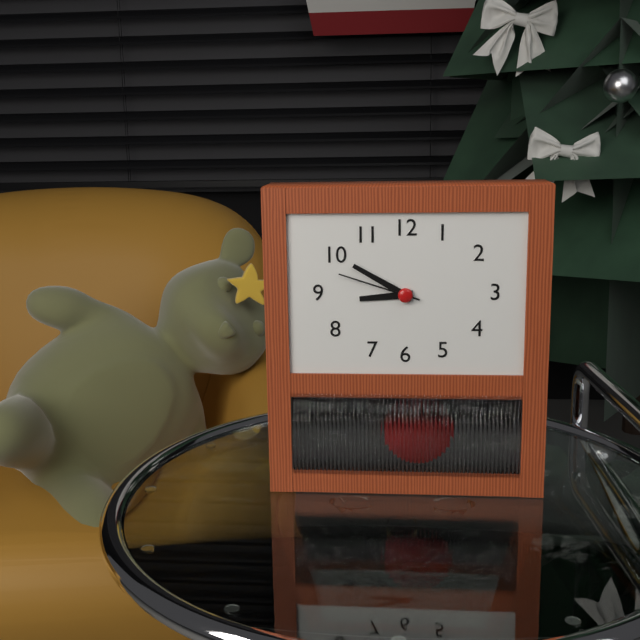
8:50:48
